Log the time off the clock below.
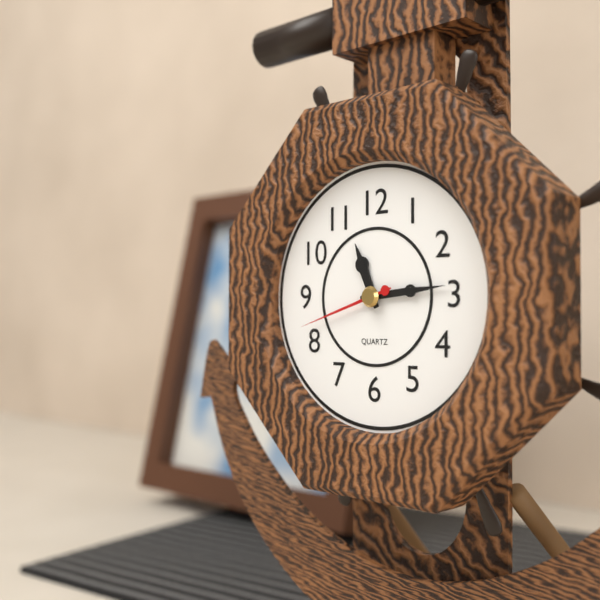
11:14:42
